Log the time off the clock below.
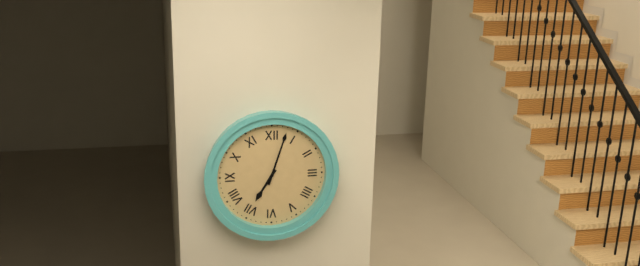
7:03
